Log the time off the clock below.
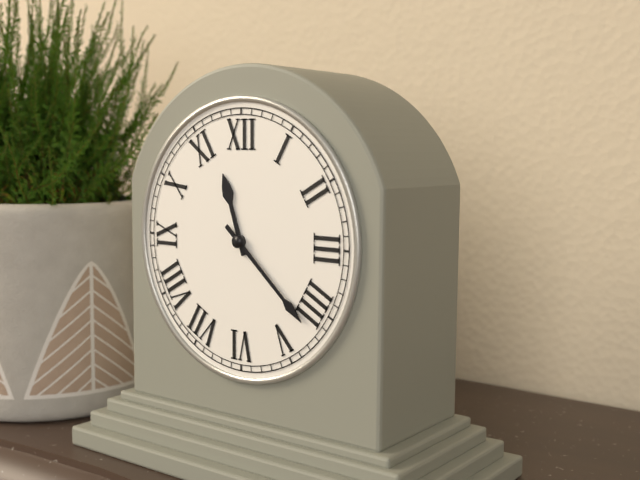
11:22
